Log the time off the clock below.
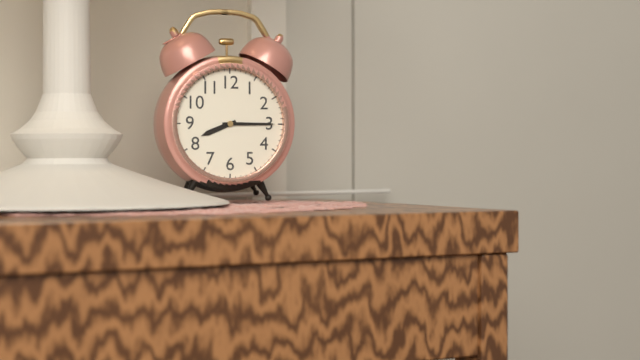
8:15
